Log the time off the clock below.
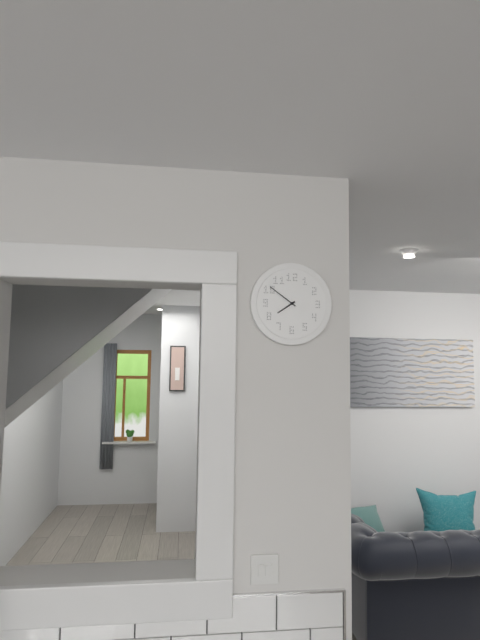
7:51
